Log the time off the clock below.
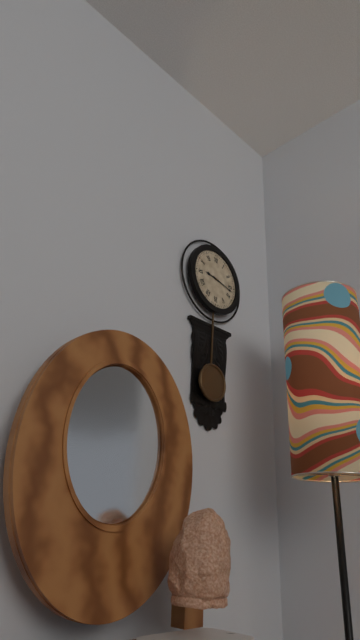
9:17
